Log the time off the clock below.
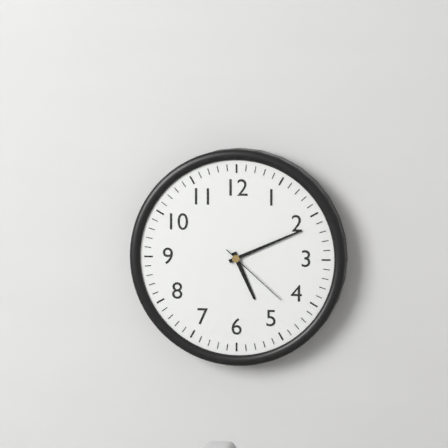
5:11:22
